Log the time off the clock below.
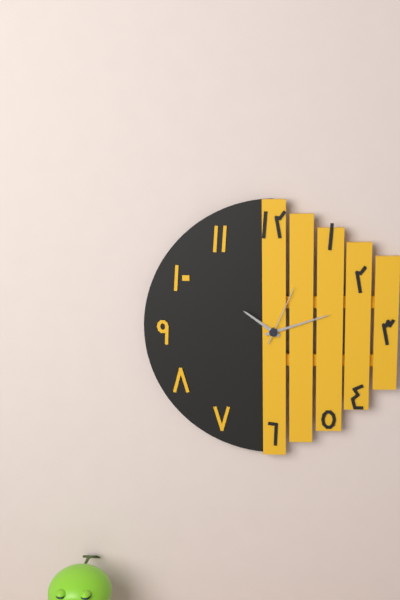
10:12:04
